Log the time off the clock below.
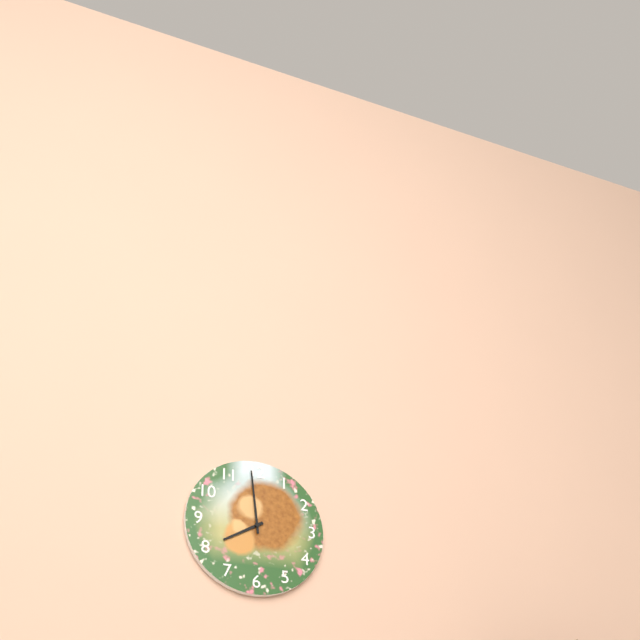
7:59
